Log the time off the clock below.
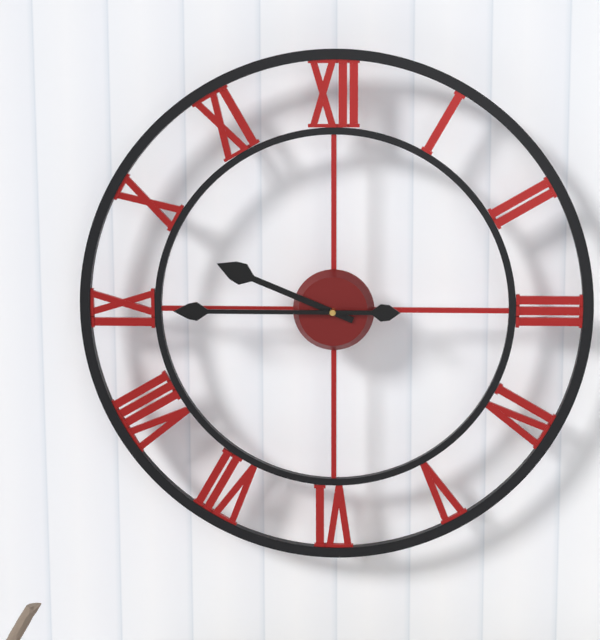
9:45
